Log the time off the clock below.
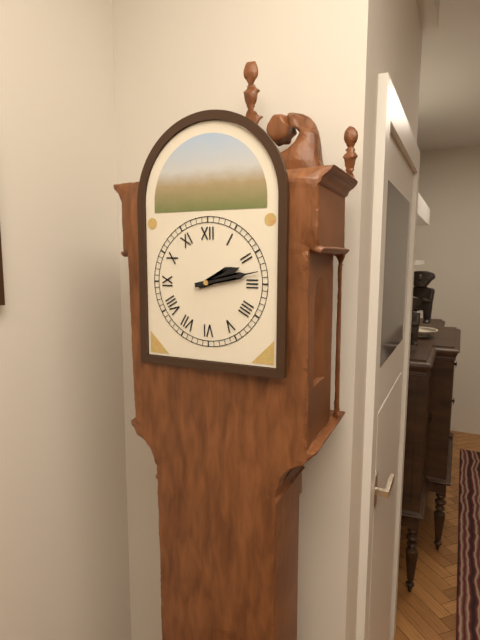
2:13
